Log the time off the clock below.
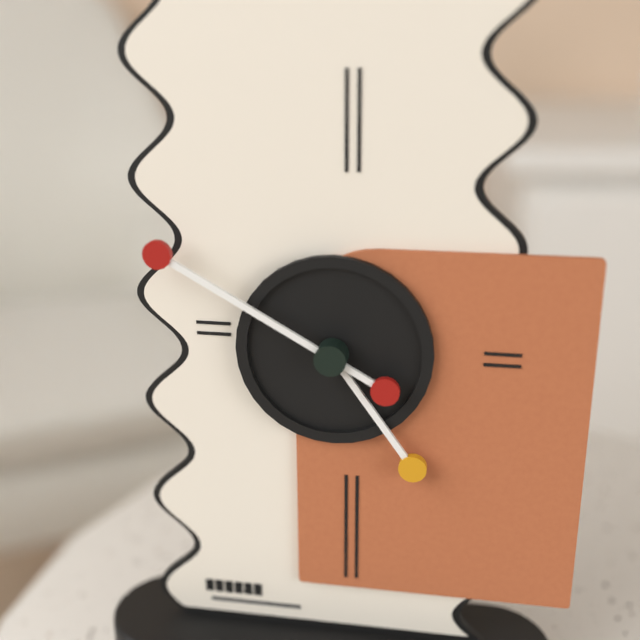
4:50
